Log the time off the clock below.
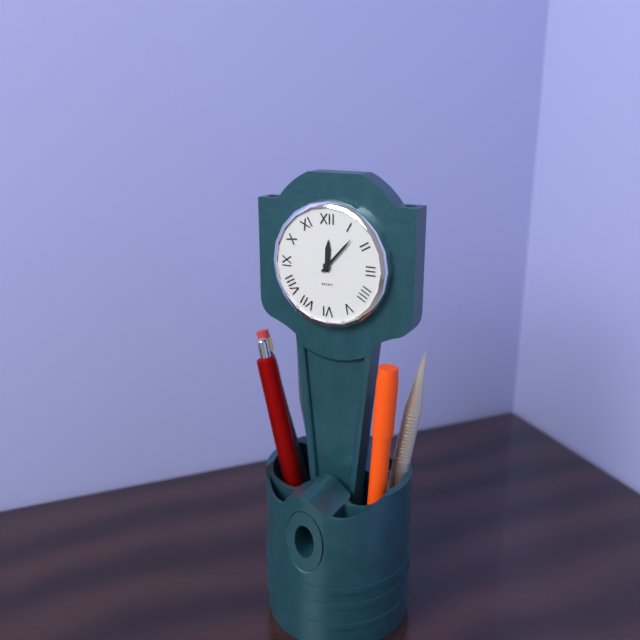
12:07
